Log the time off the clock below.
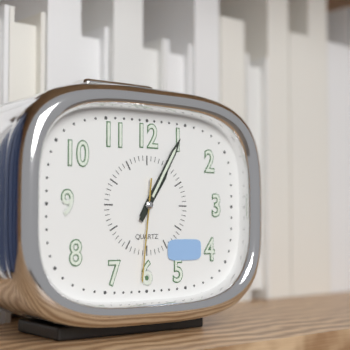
1:05:31
